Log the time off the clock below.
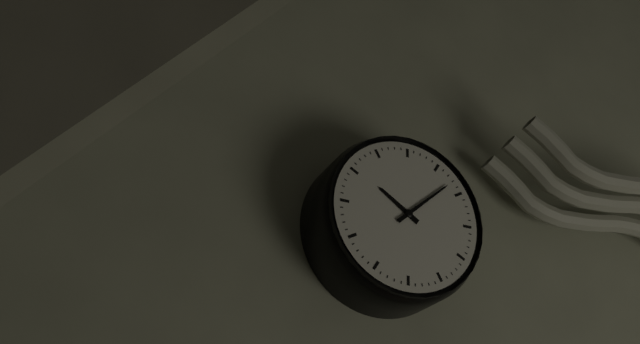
10:08
